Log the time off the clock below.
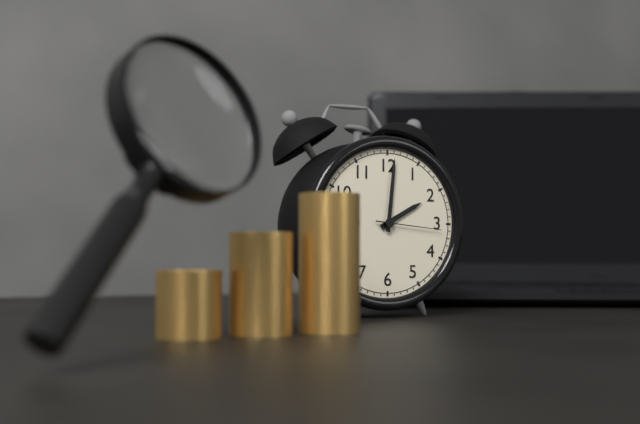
2:01:16
